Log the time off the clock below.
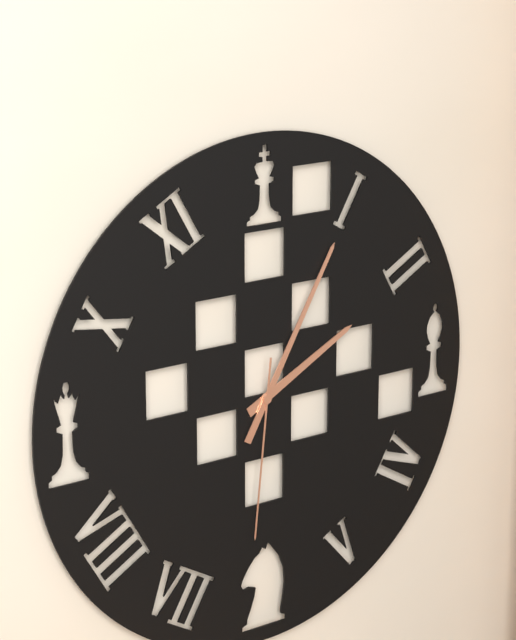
2:05:31
